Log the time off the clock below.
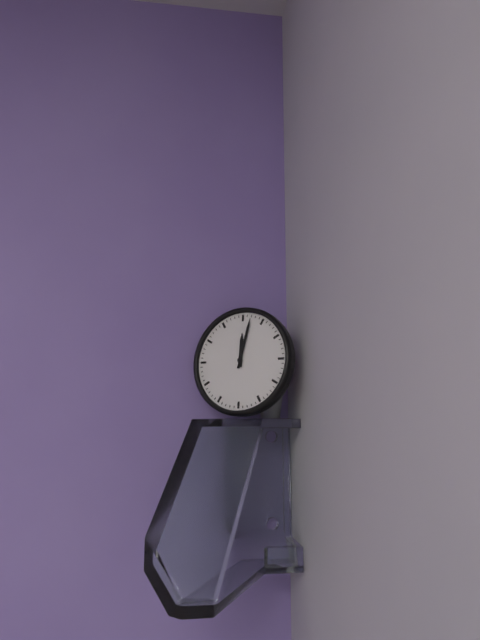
12:02
